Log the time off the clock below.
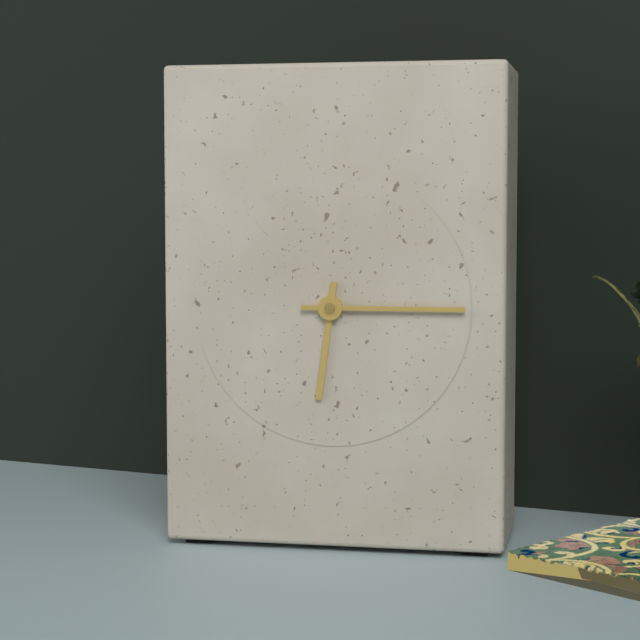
6:15
